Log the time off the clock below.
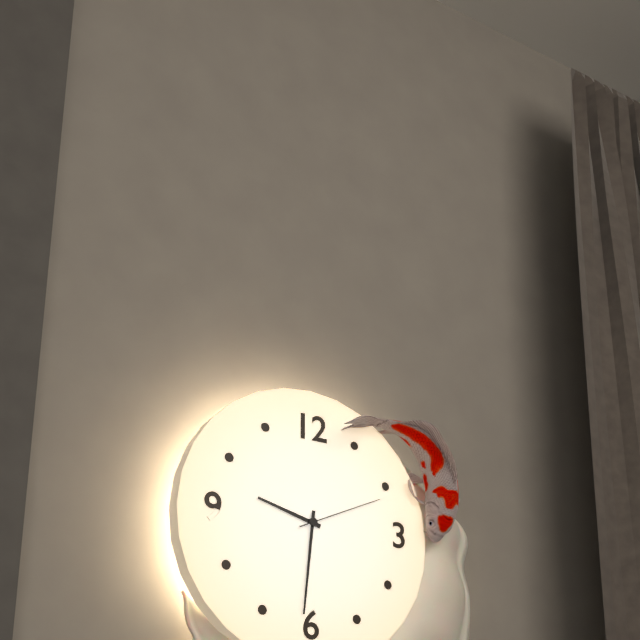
9:31:11
